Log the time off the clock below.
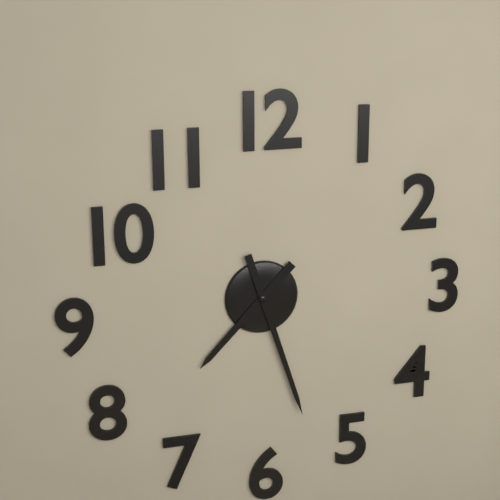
7:27
